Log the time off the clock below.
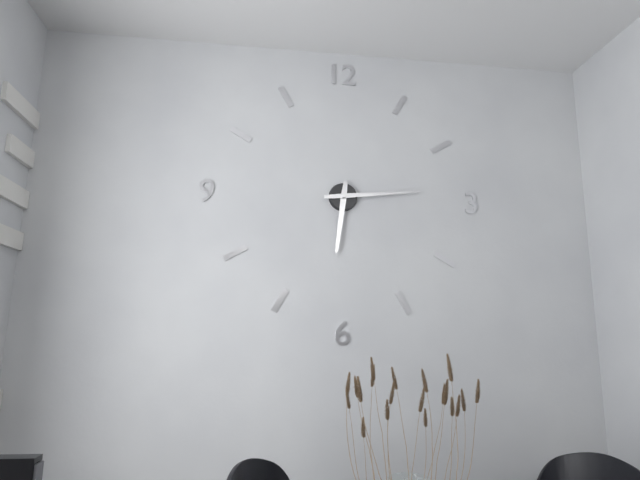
6:14
